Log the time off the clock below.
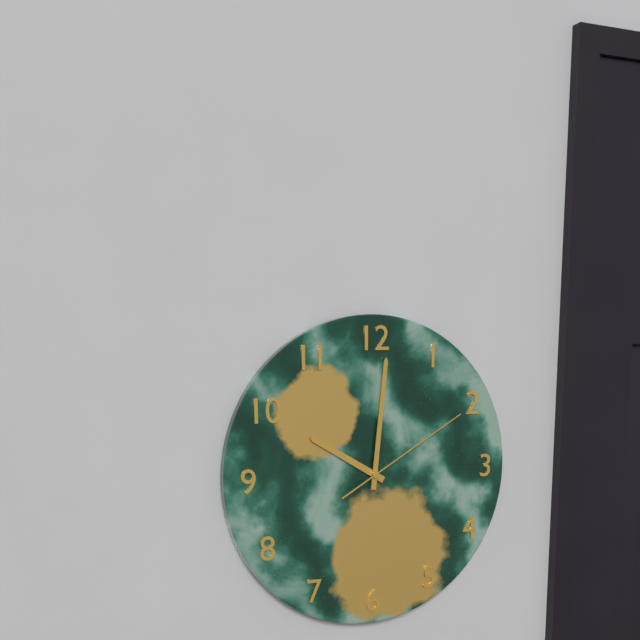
10:01:10
